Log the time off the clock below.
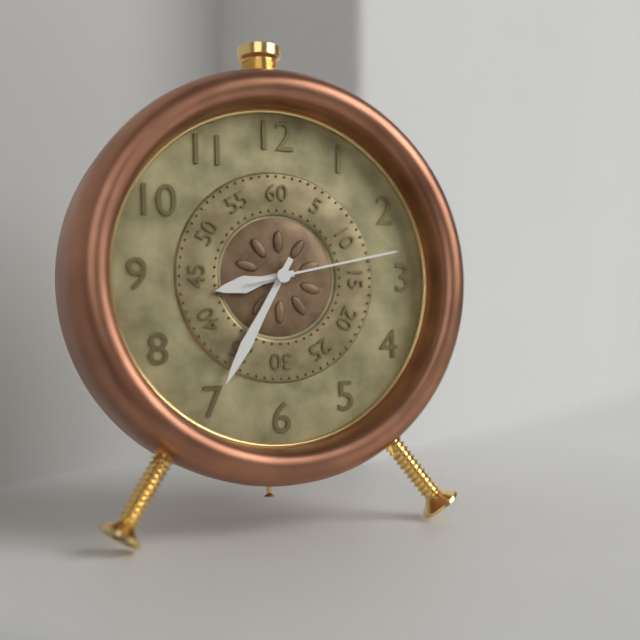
8:35:13
